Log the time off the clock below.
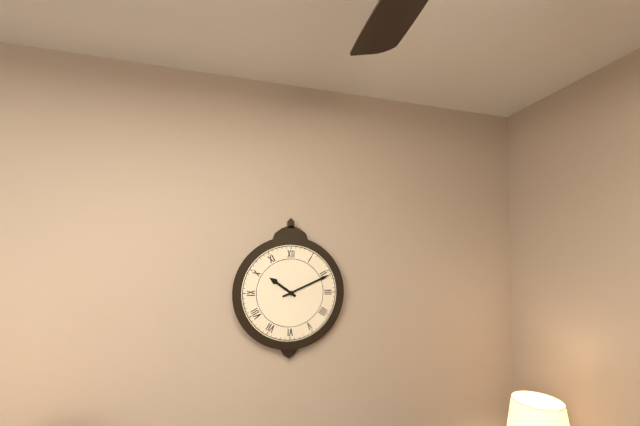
10:11
